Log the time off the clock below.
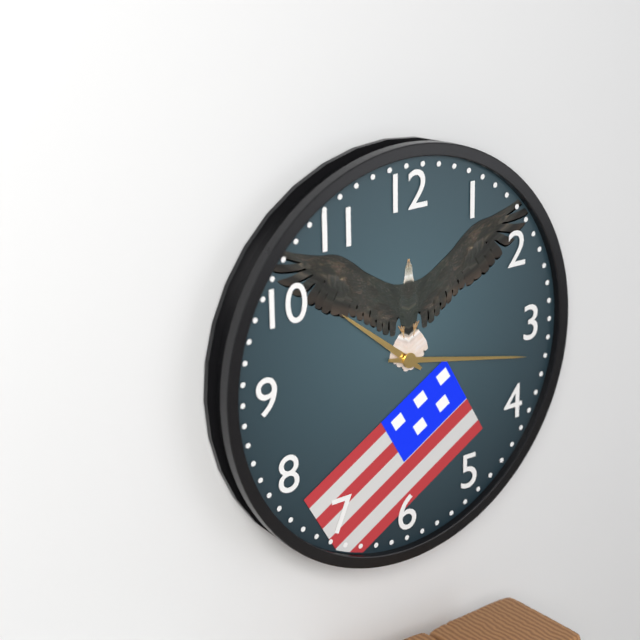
10:17
